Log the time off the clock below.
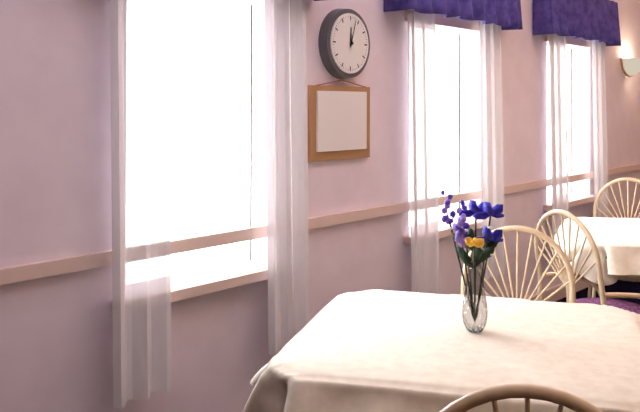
12:03
